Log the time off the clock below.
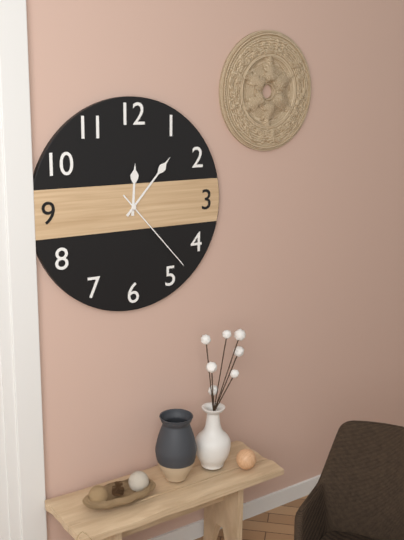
12:07:23
